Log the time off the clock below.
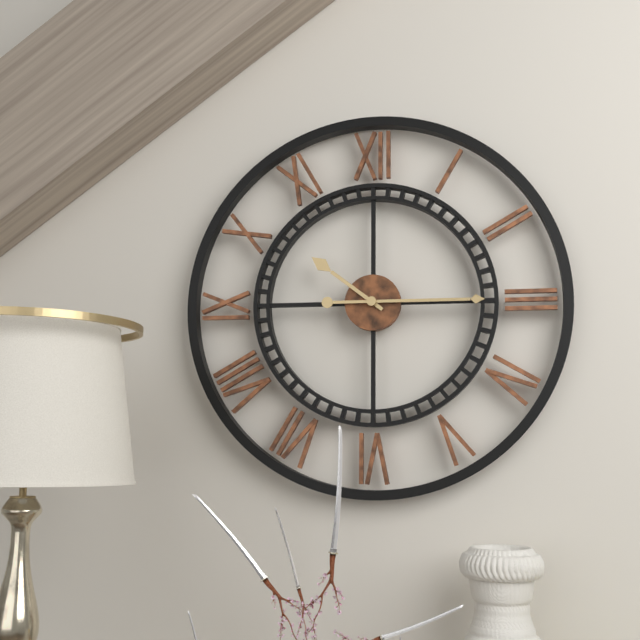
10:15
